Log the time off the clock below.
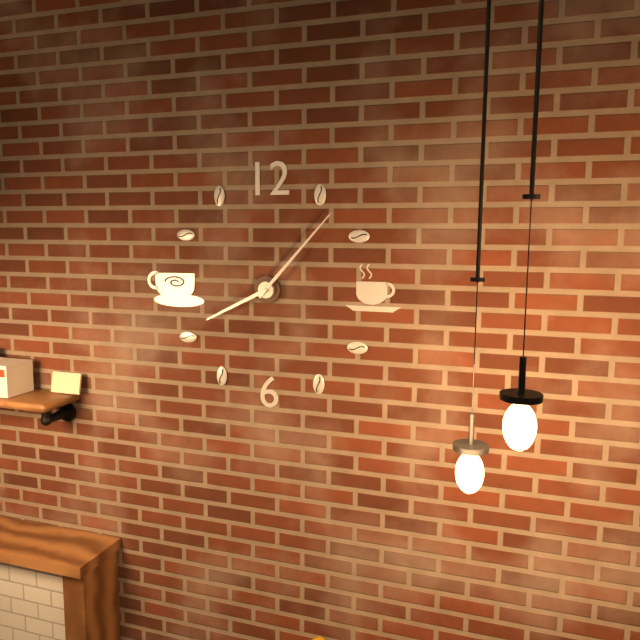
8:07
